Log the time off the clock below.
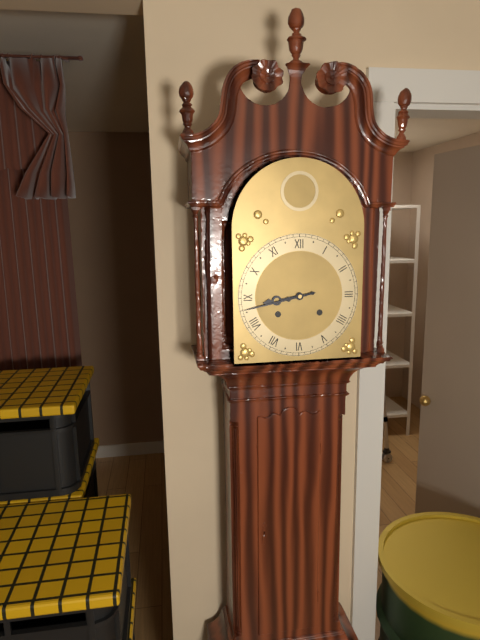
8:43
